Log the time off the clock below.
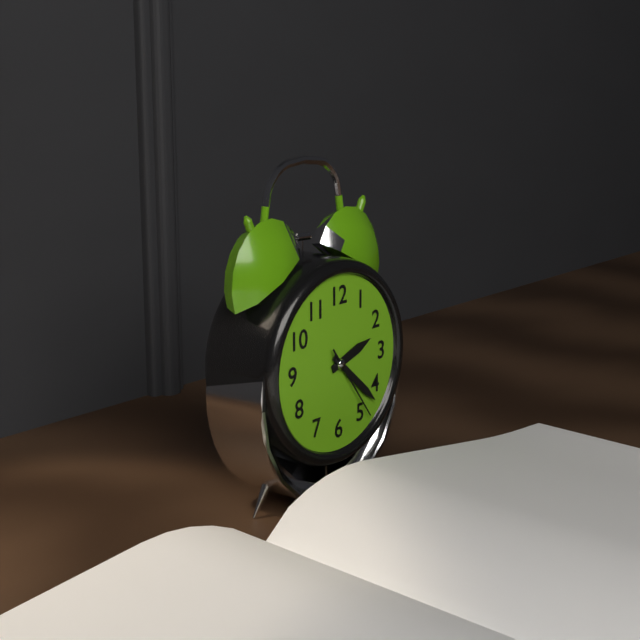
2:22:24
